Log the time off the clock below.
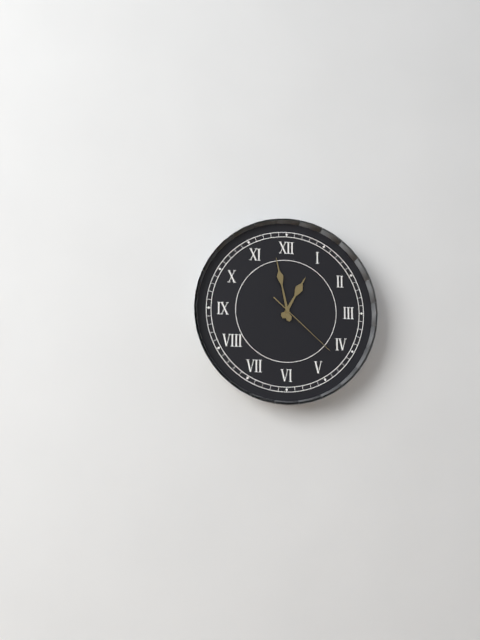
12:58:22
